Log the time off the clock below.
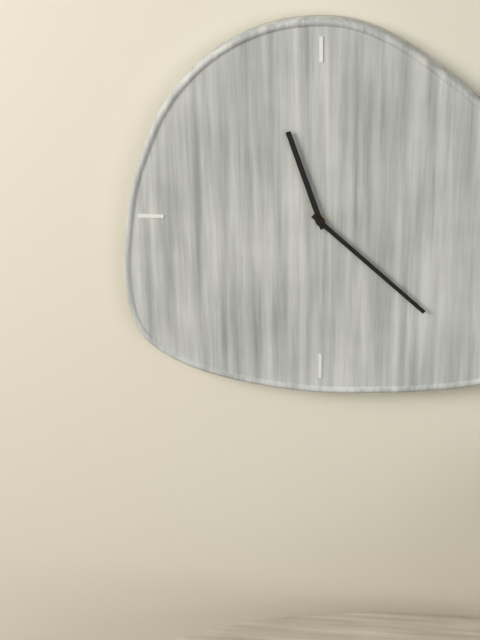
11:22
